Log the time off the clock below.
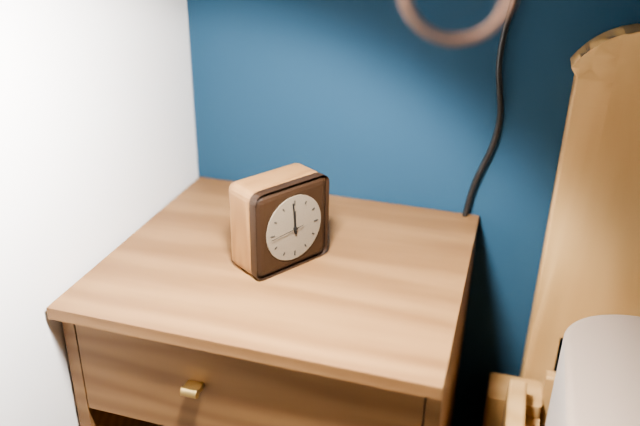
11:59
